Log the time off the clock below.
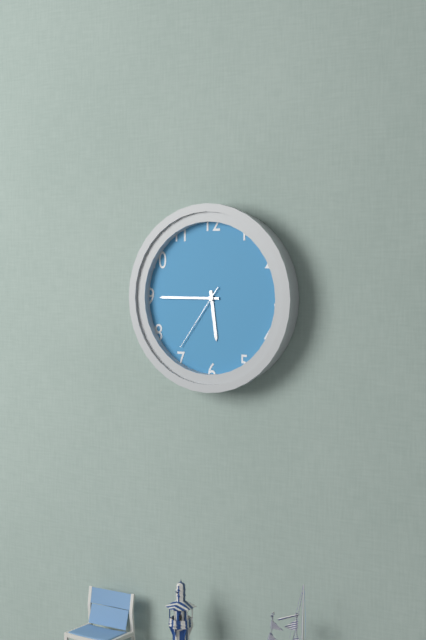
5:45:36
